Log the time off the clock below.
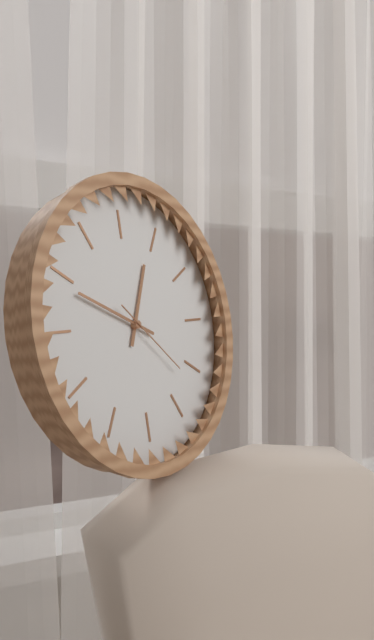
12:49:22
